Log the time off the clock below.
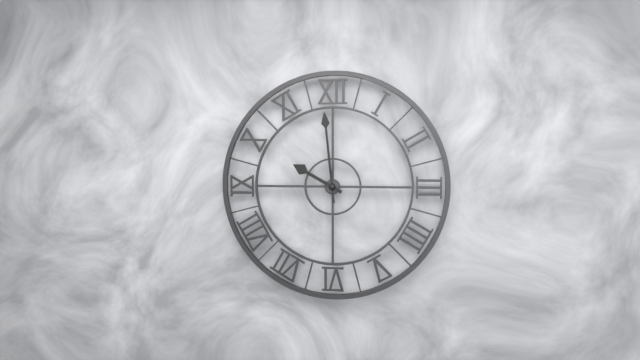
9:59
